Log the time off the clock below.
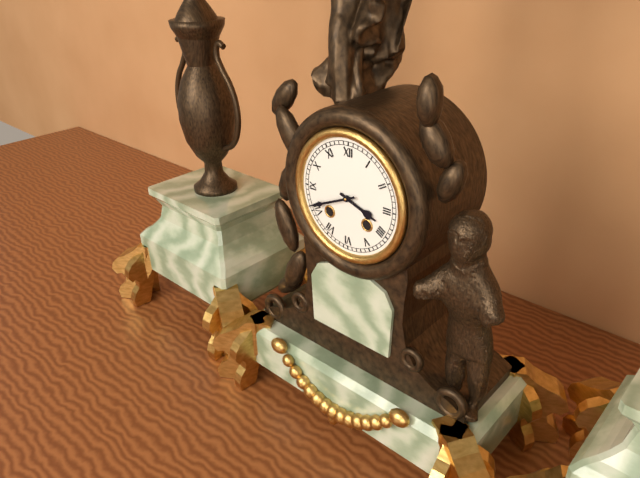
3:41
